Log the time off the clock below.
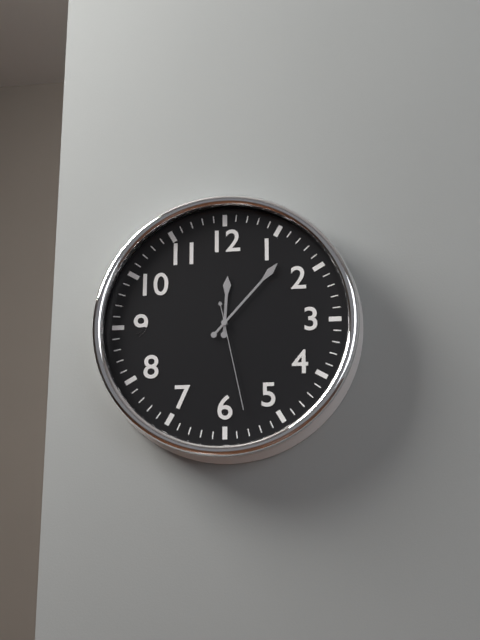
12:07:28
